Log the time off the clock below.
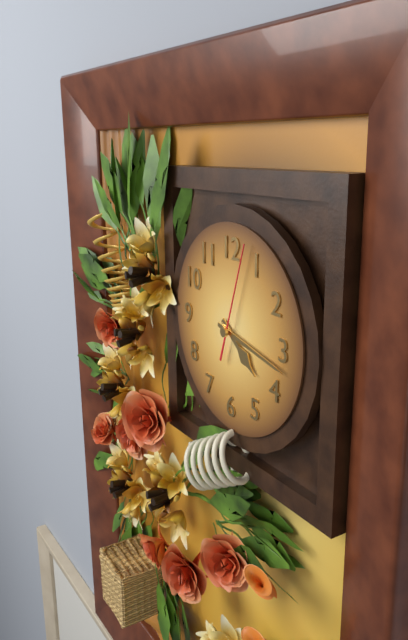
4:17:03
